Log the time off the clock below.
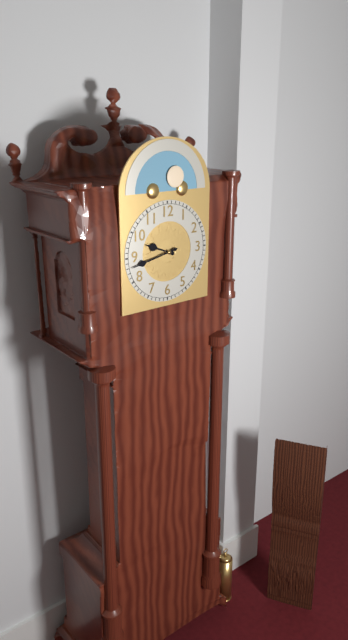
9:43
